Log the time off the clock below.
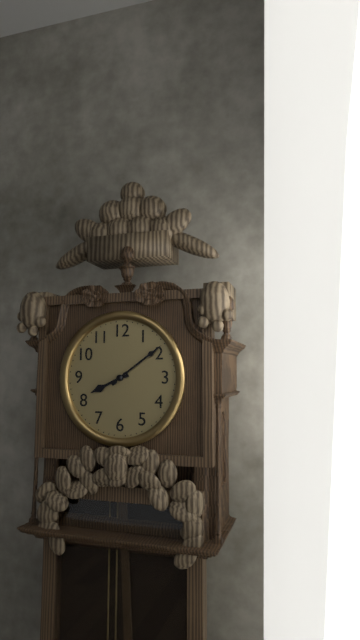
8:09
